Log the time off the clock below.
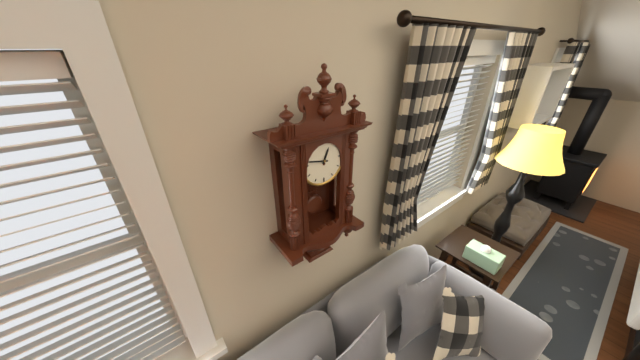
12:47
